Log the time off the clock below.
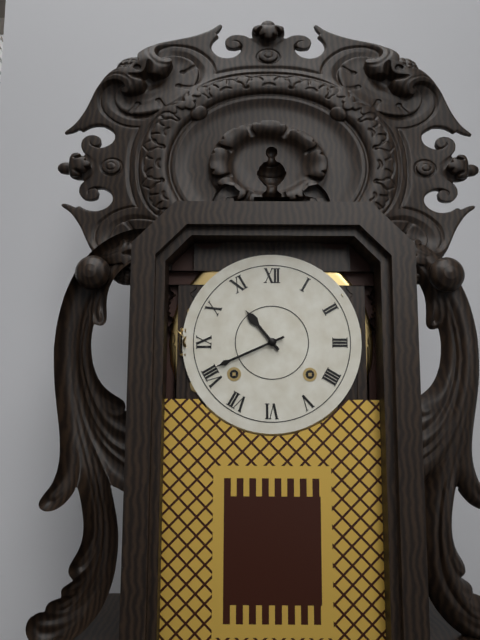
10:41
